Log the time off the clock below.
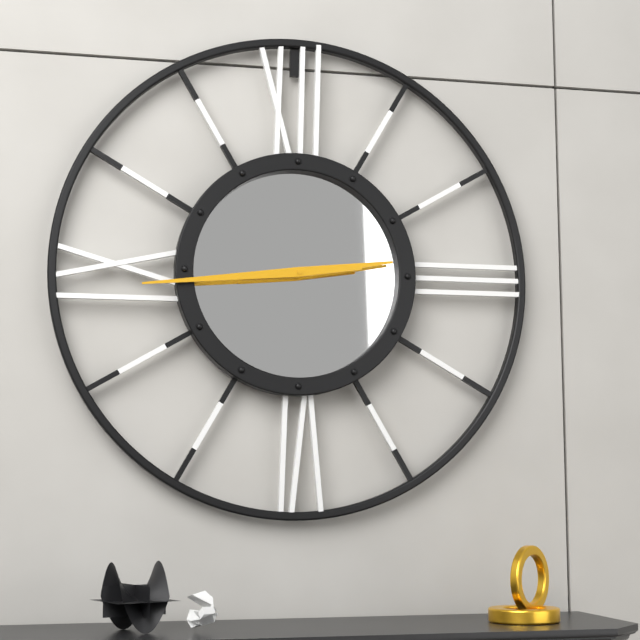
2:44
